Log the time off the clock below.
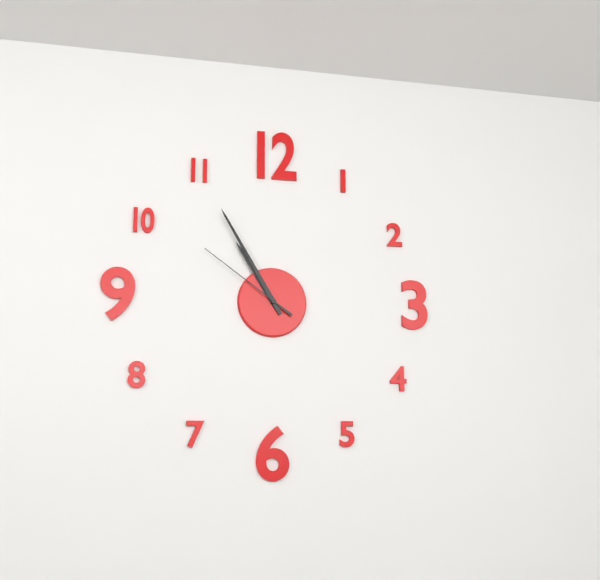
10:55:51
